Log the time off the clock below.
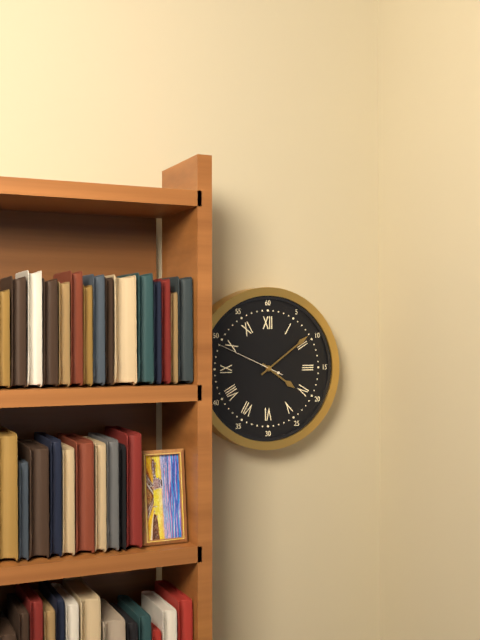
4:09:49
